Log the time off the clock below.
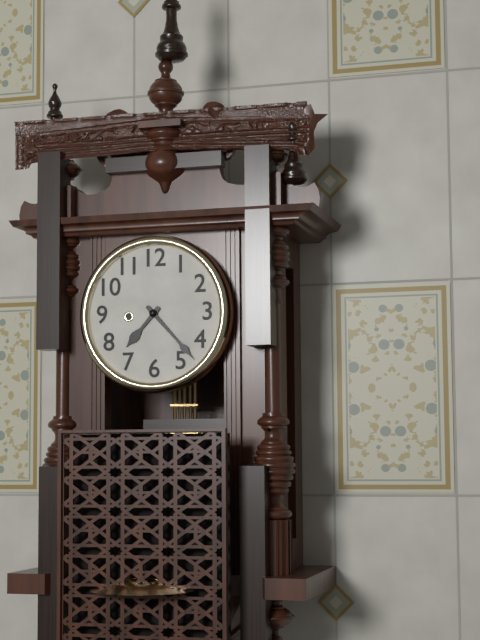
7:23
